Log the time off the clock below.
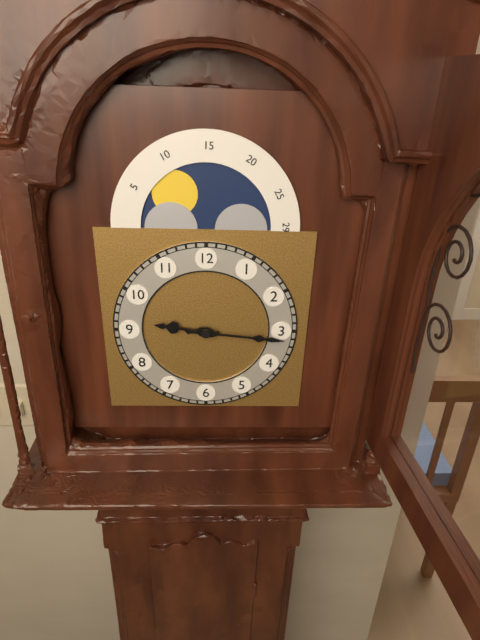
9:16
